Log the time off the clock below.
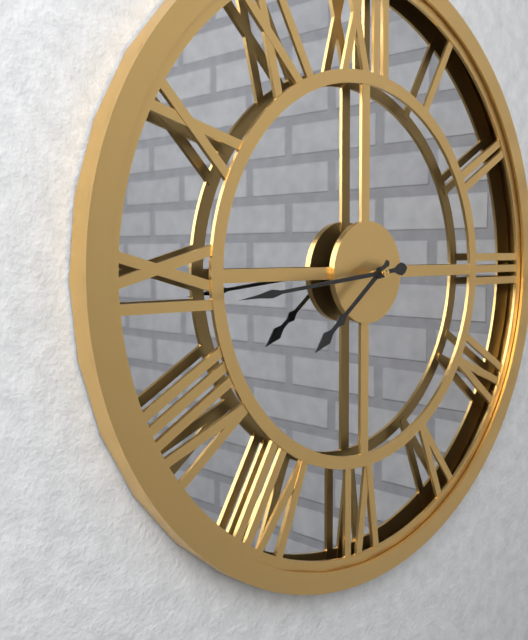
7:44
